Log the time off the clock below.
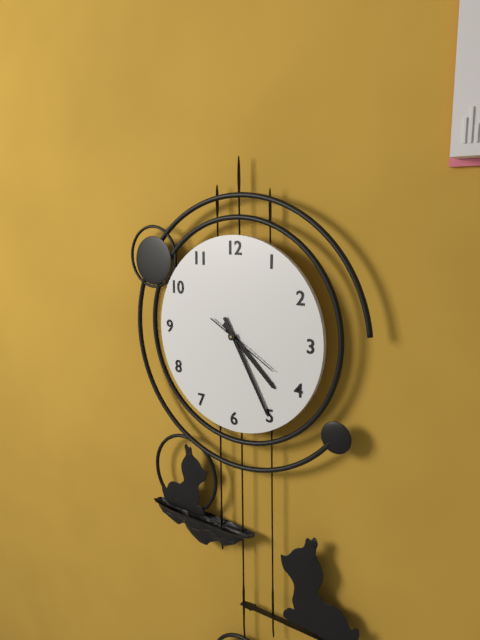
4:25:20
